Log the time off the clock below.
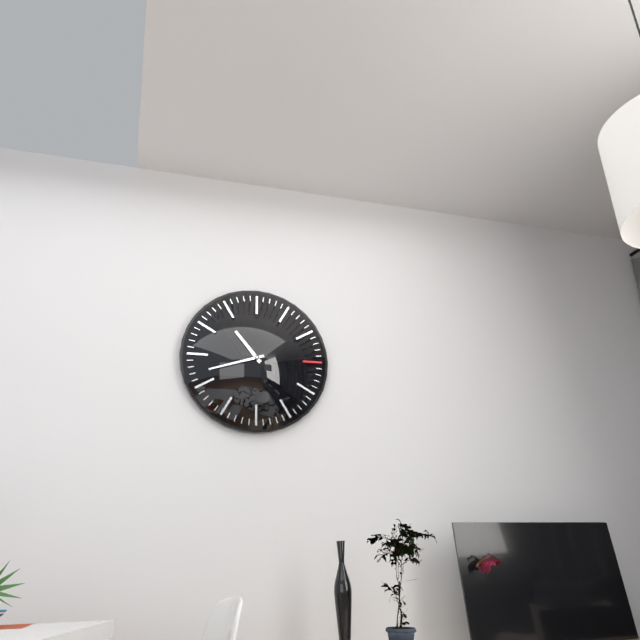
10:42
